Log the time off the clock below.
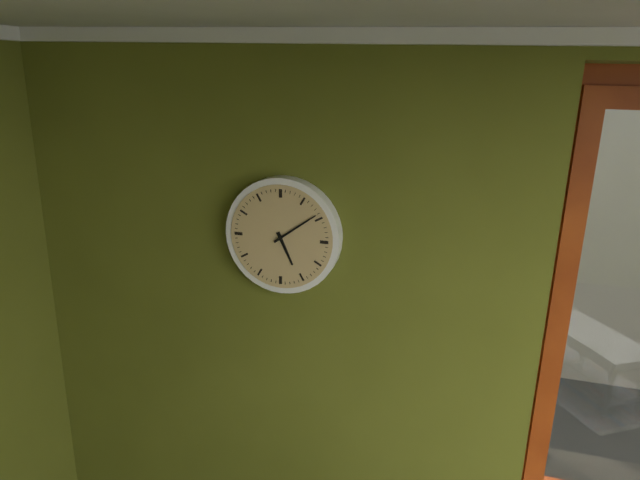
5:09
